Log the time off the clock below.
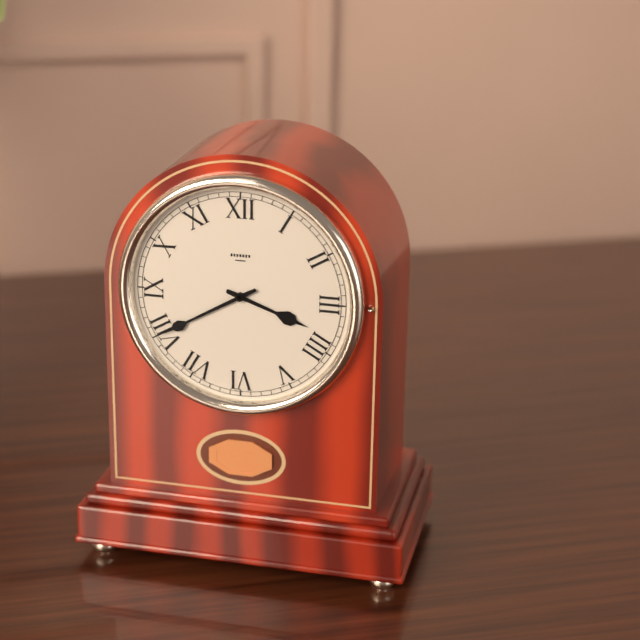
3:40
